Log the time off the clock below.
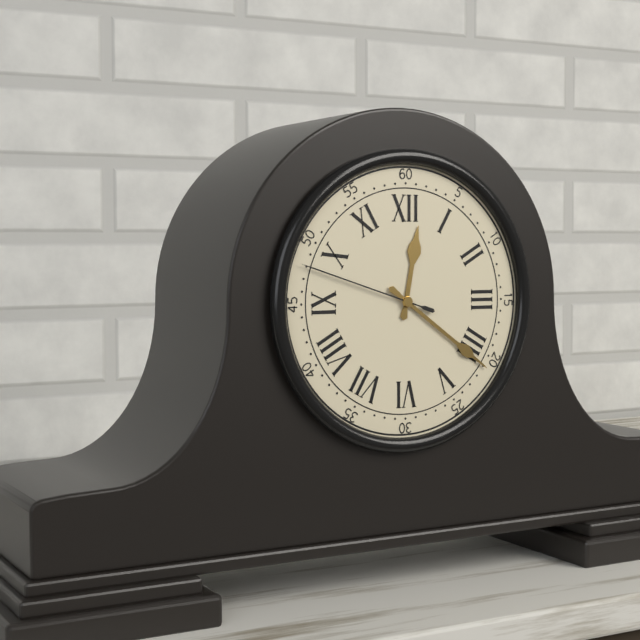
12:21:48
